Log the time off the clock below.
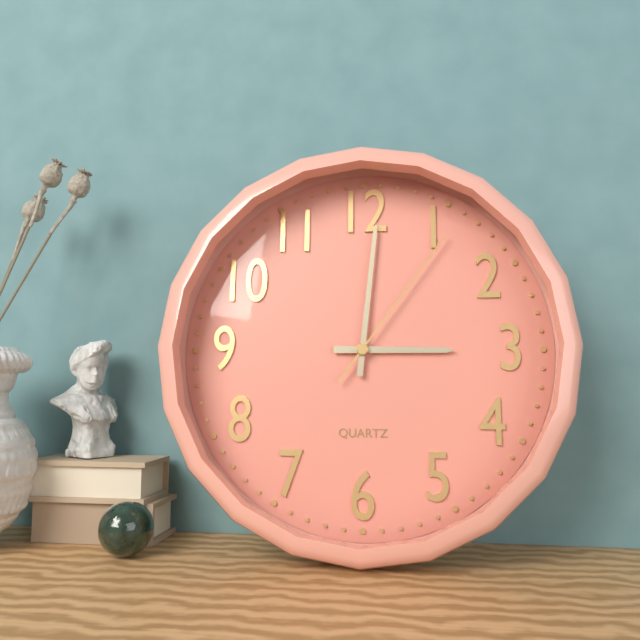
3:01:06
